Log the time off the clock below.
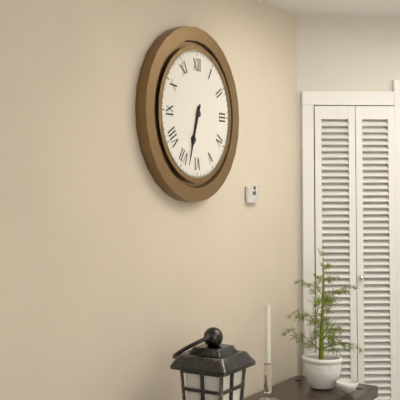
6:33
